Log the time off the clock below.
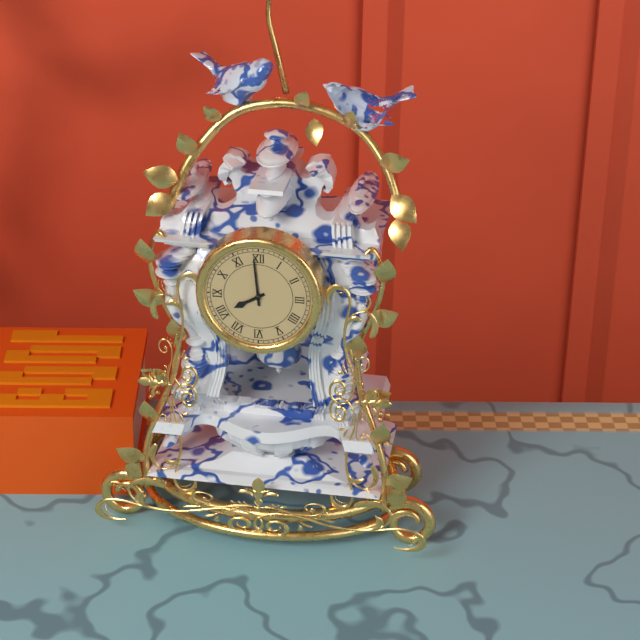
7:59
